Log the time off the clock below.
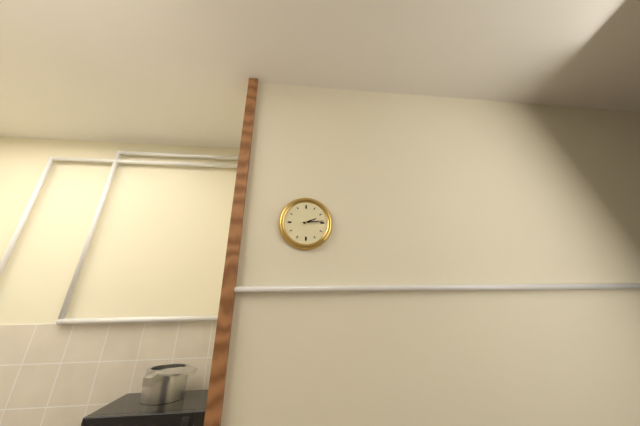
2:14
